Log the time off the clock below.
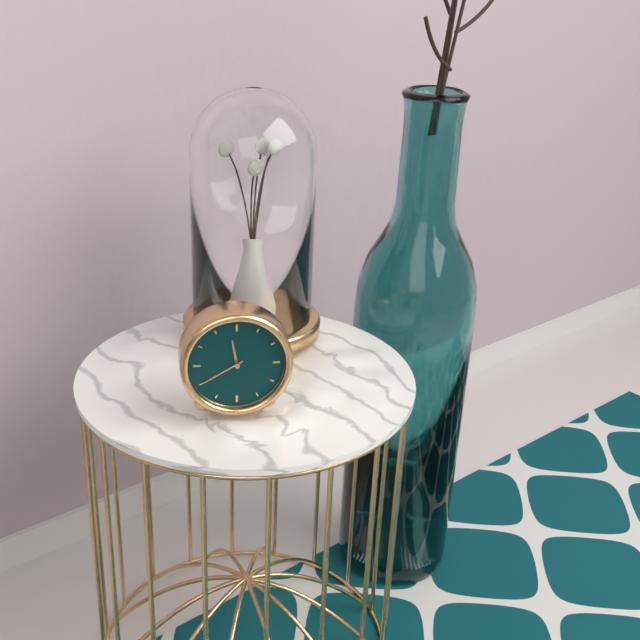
11:40
